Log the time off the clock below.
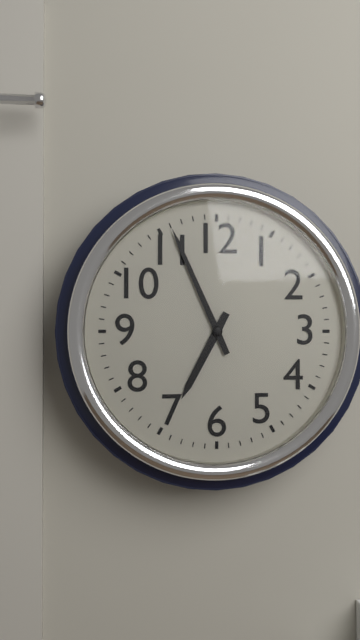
6:56
